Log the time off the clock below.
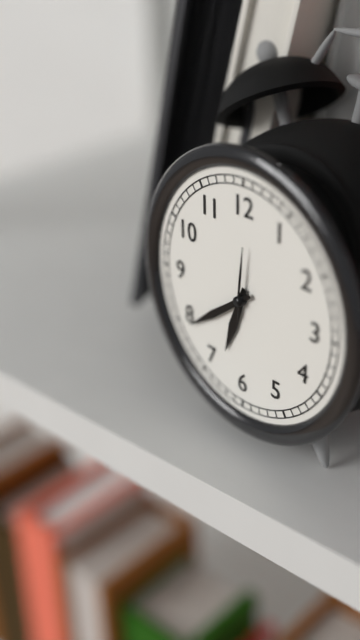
6:39:01
